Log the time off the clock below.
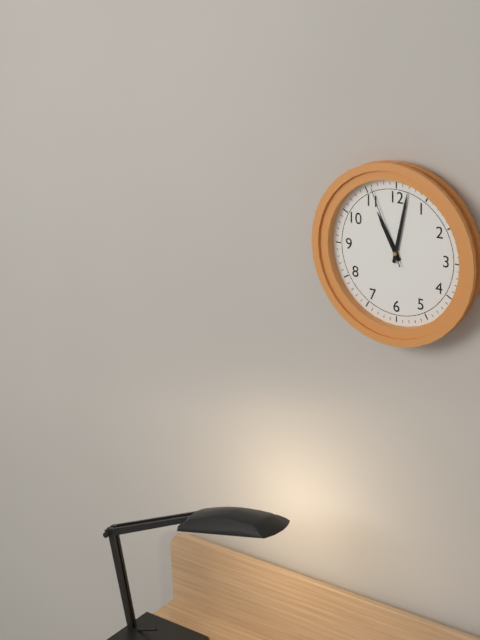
11:02:56
